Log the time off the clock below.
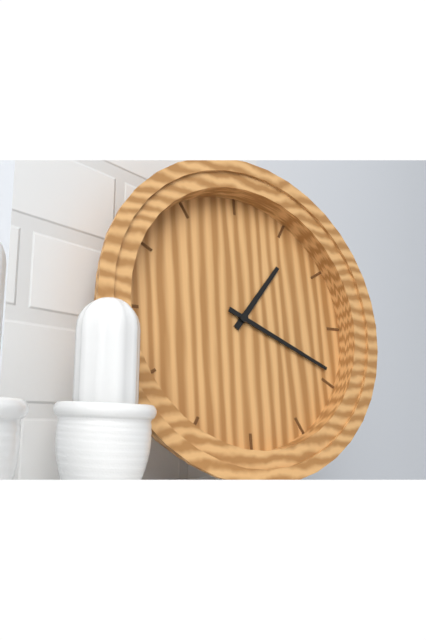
1:19
